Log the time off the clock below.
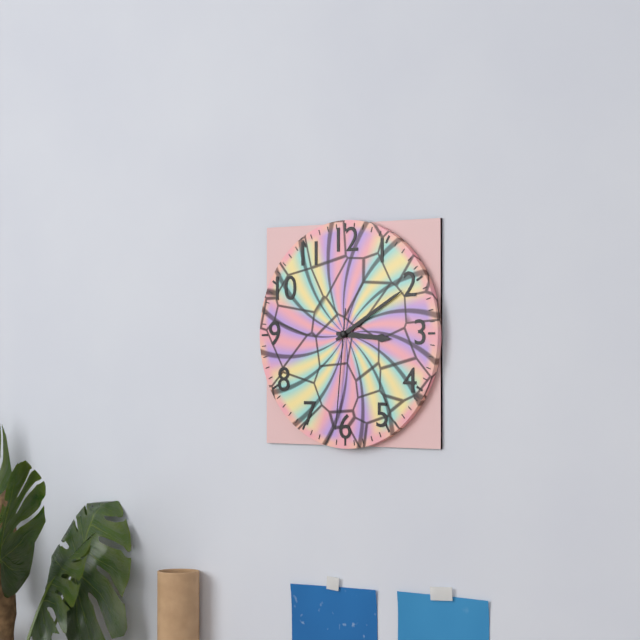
3:10:31
